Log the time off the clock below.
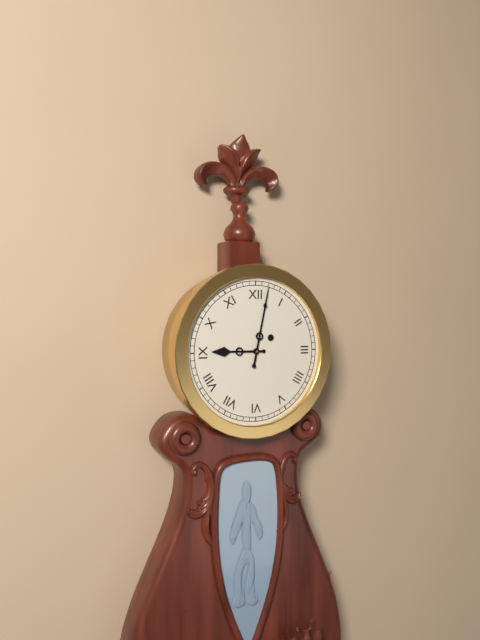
9:02
